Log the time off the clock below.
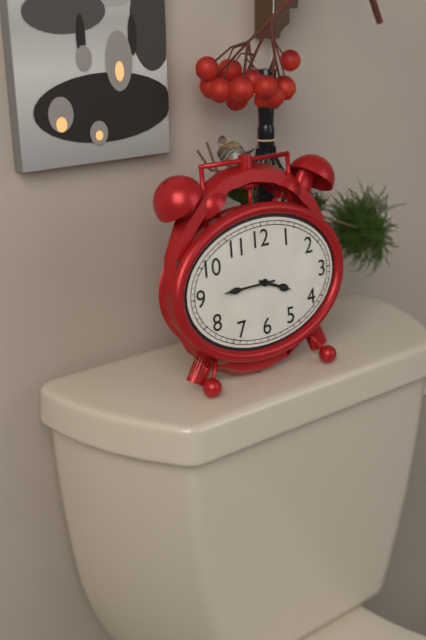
3:45
